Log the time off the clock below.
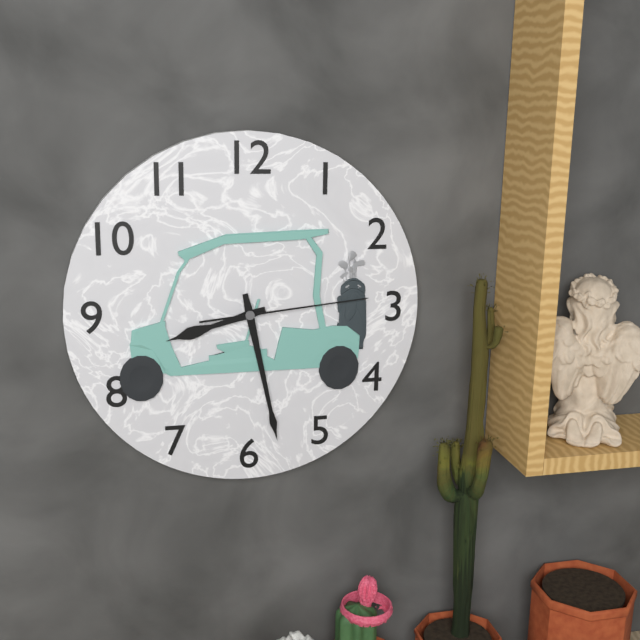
8:28:14
